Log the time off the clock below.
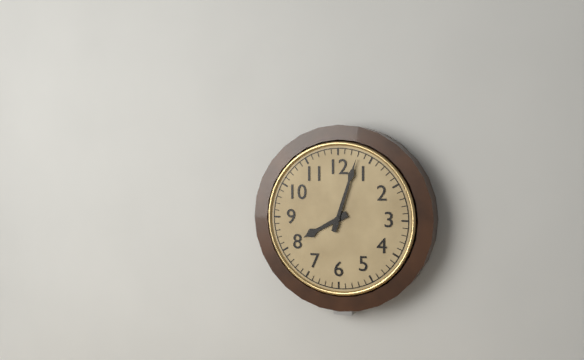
8:03
